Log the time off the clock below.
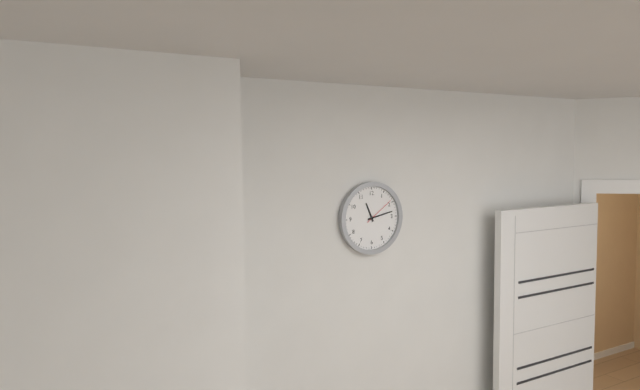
11:13
